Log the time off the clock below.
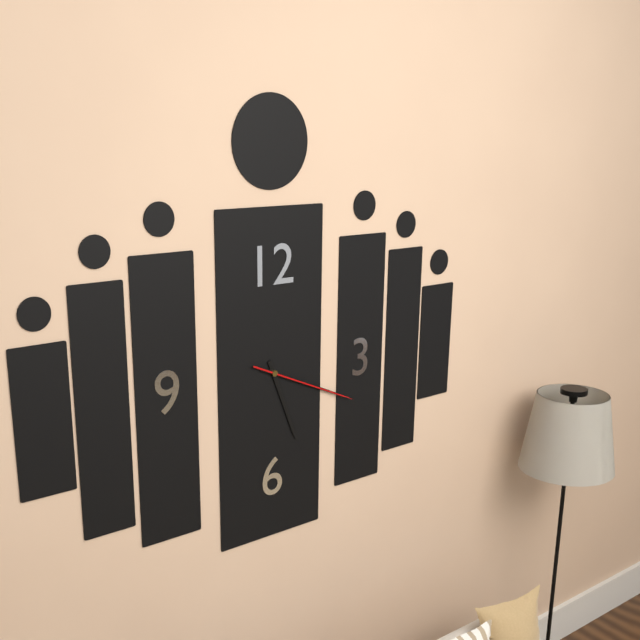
5:19:19
